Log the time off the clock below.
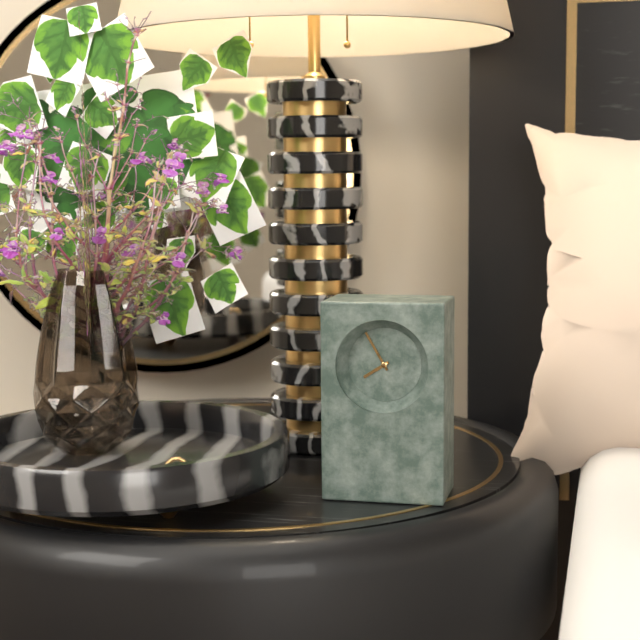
7:55
